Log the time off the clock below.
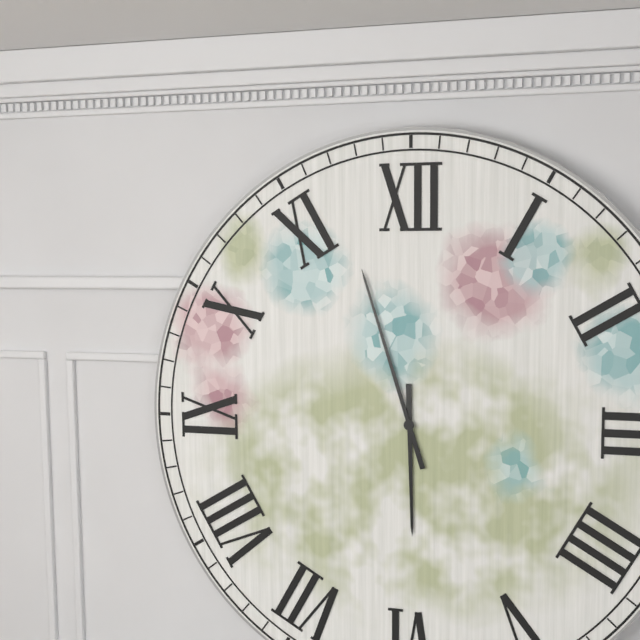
5:57
